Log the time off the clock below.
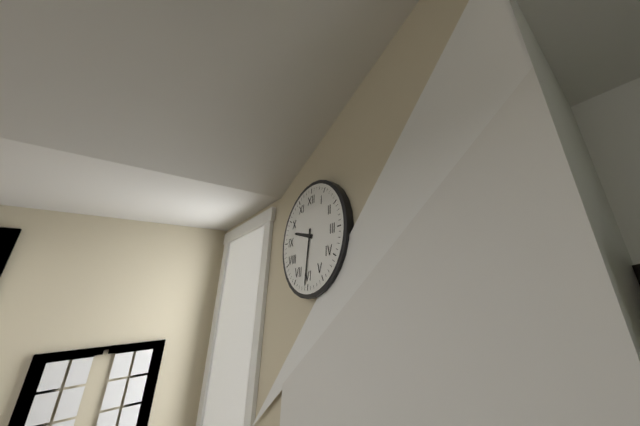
9:31
